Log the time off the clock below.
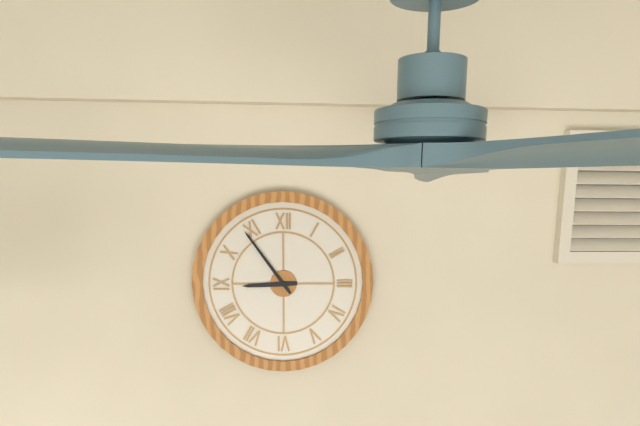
8:54
